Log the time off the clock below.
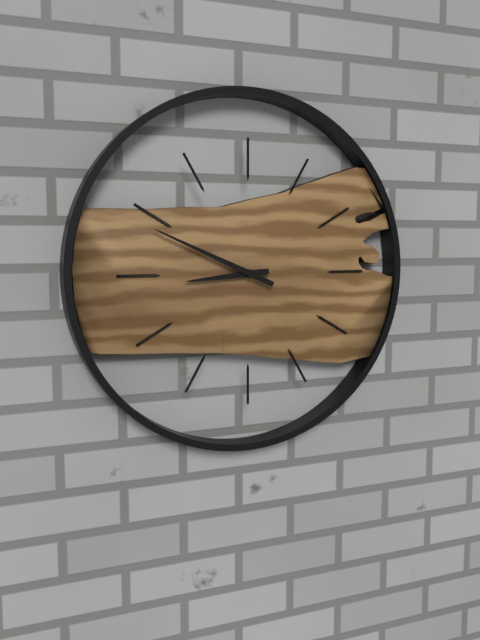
8:49
